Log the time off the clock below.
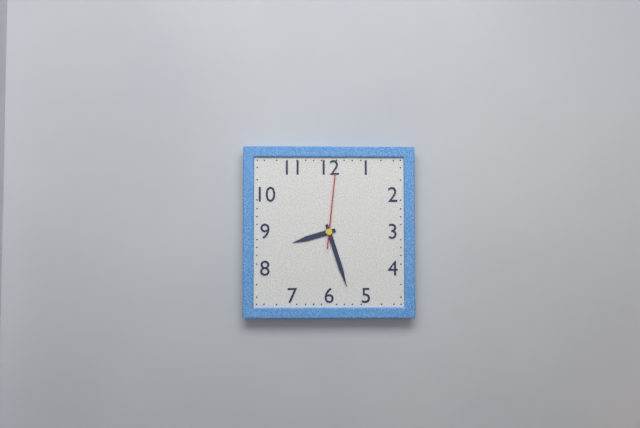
8:27:01
